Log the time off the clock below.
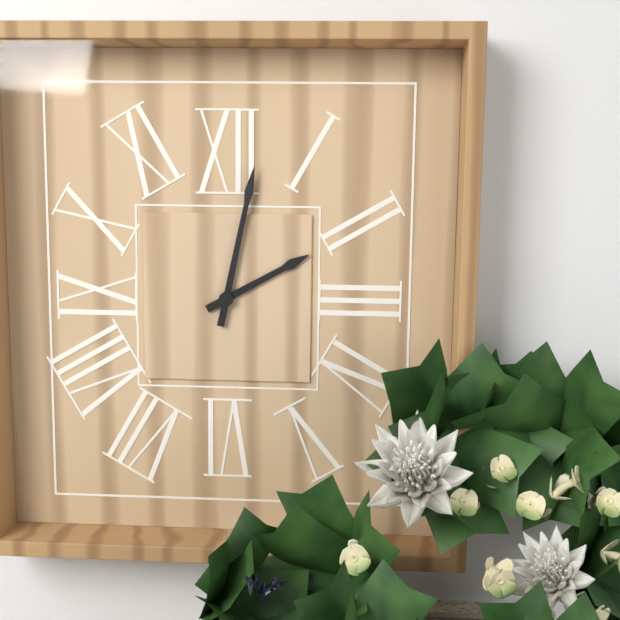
2:02
